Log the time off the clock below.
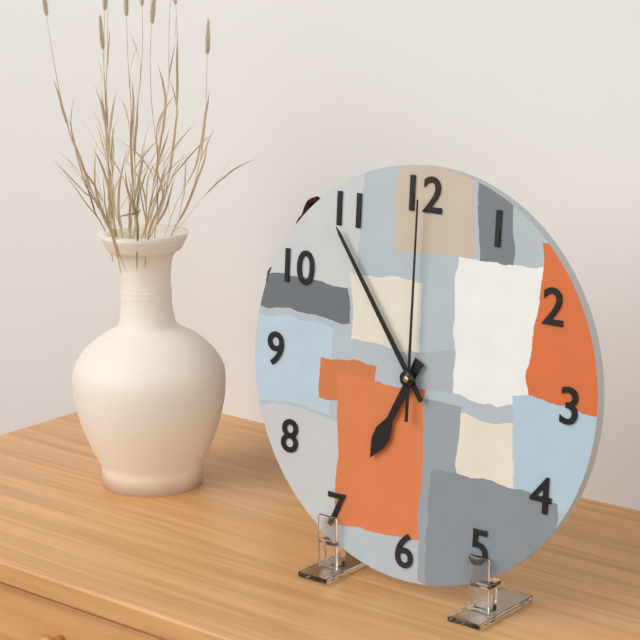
6:54:00
